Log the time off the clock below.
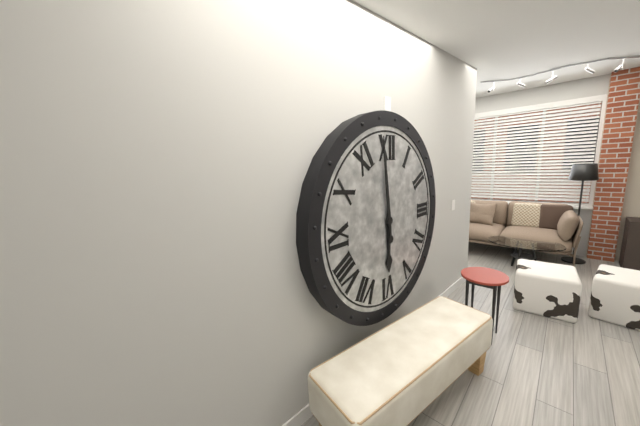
5:59
